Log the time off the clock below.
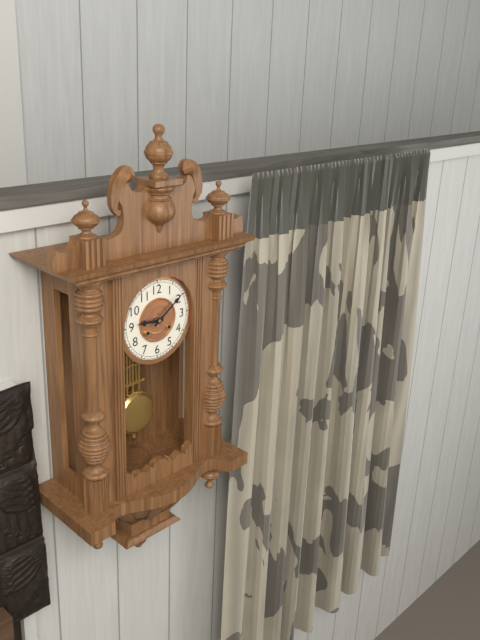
9:09
